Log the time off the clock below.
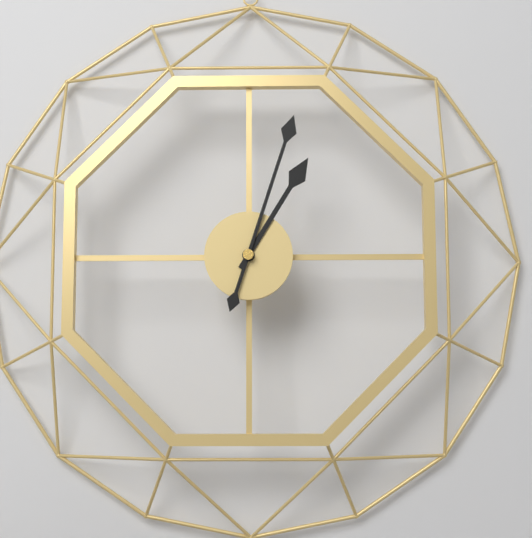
1:03
